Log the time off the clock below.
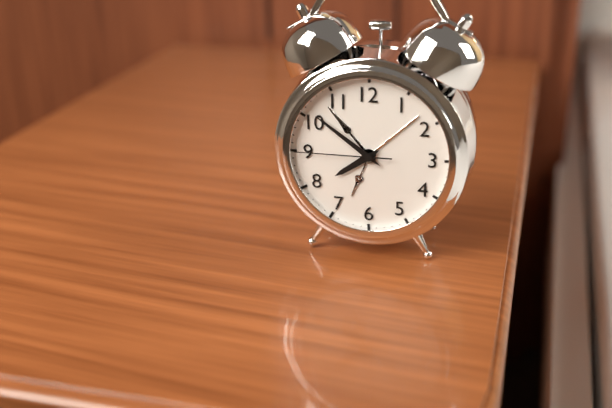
7:51:45
